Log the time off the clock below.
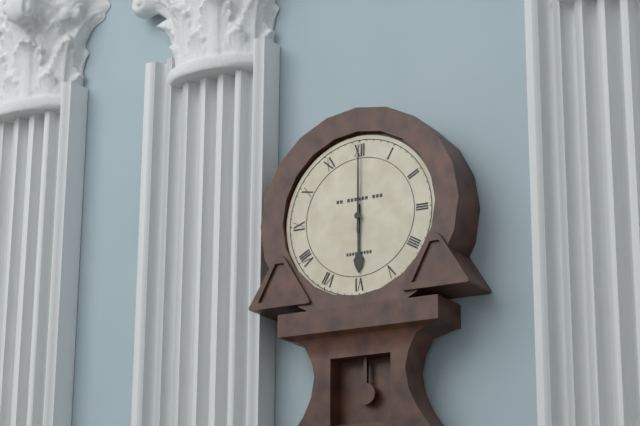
6:00
